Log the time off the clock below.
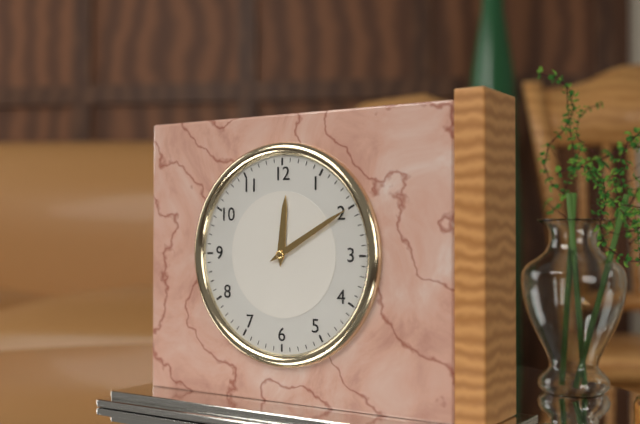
12:10
